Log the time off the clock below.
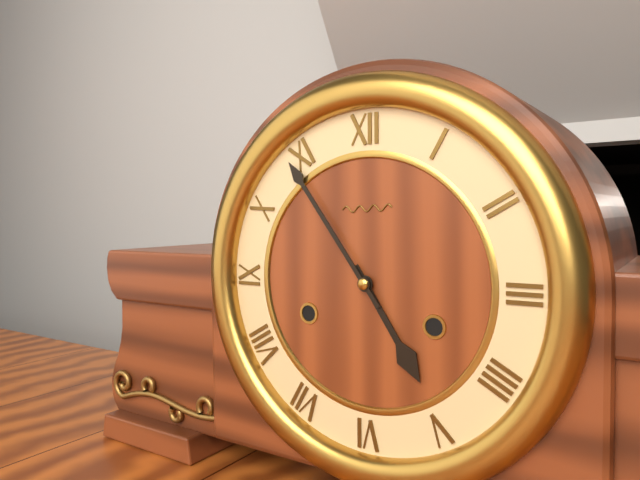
4:54
